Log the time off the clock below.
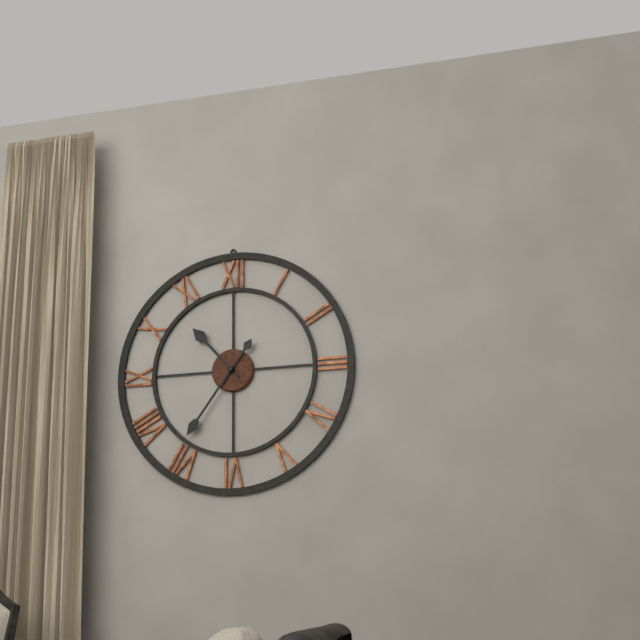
10:36
